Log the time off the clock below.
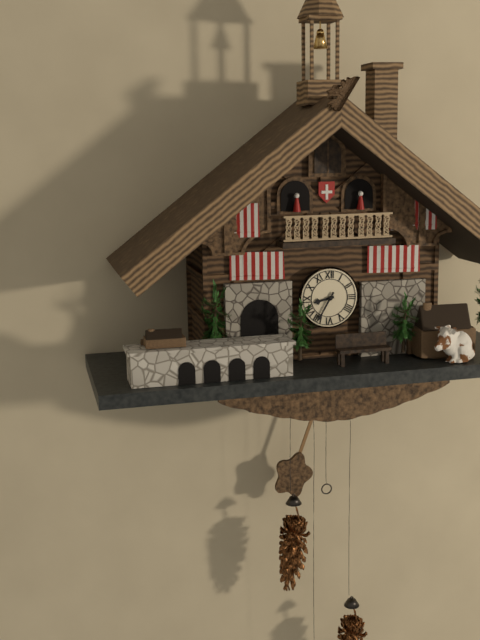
8:35
